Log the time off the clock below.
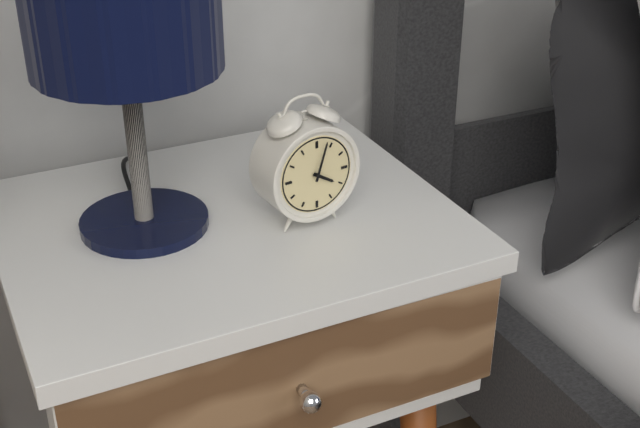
4:03
